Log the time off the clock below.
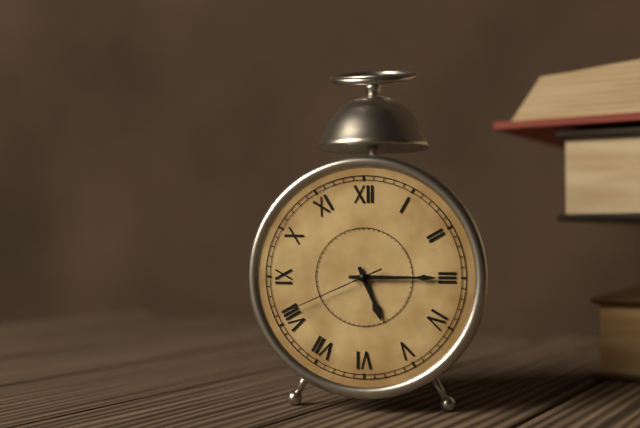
5:15:41
